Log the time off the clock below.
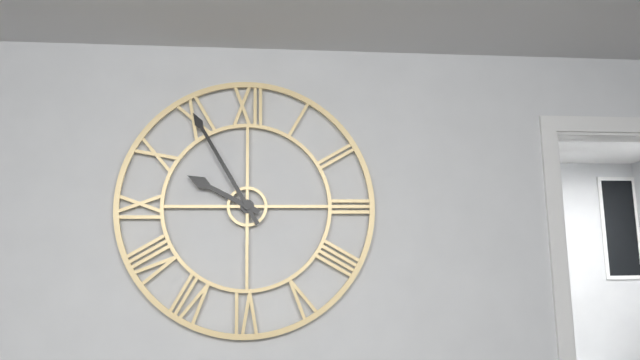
9:55
